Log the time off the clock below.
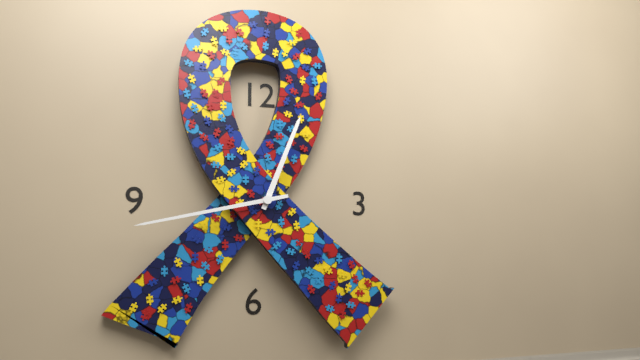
12:43
